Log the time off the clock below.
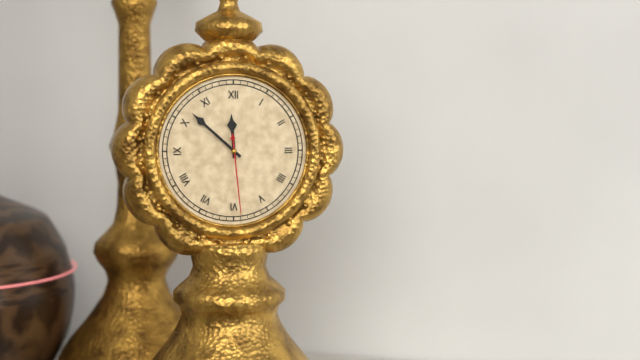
11:52:29
